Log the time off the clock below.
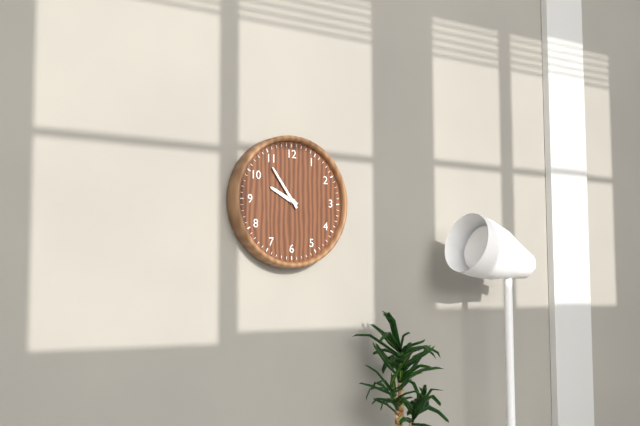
9:54
